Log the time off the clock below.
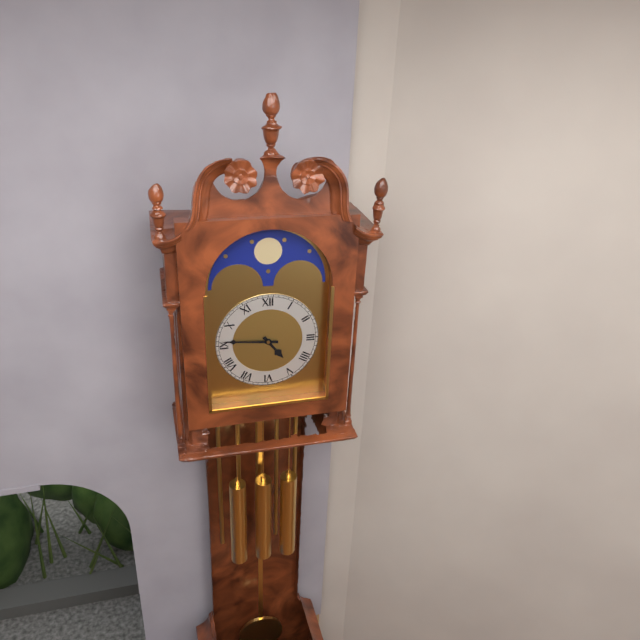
4:46
